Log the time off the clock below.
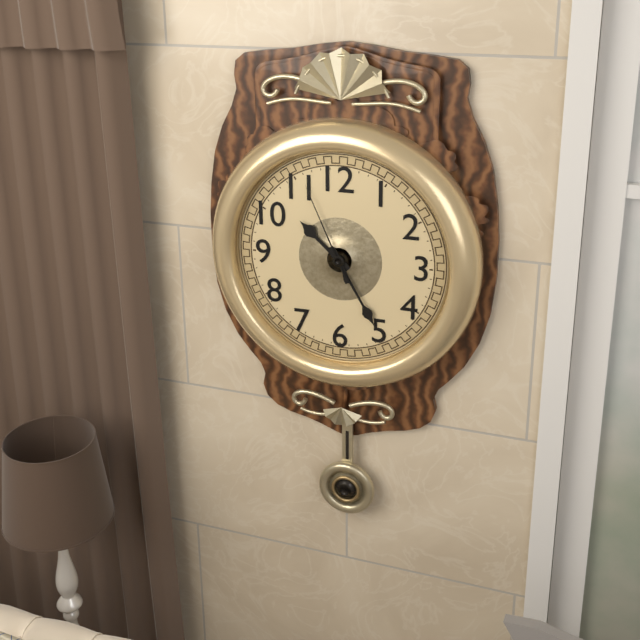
10:25:56
